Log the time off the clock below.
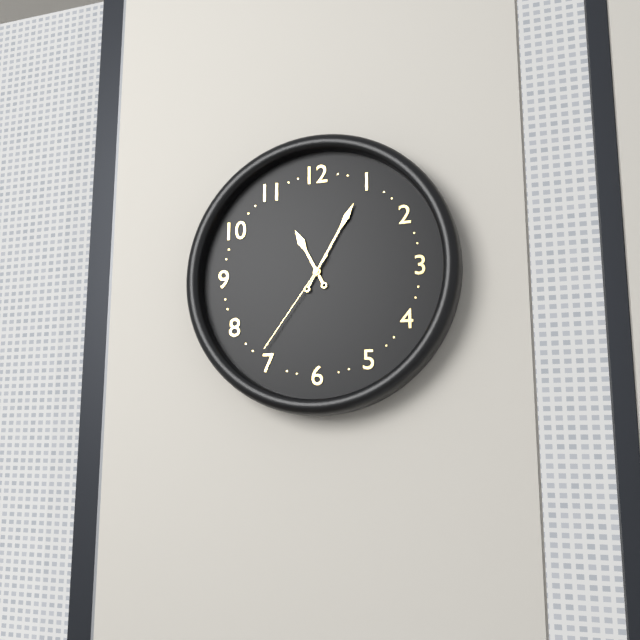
11:05:36
